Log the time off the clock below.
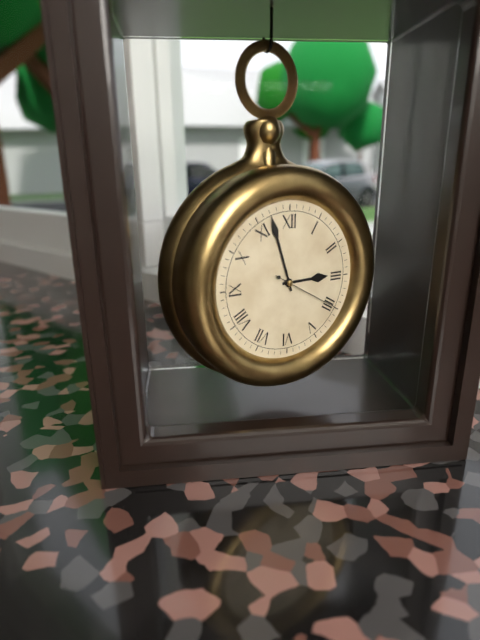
2:57:20
